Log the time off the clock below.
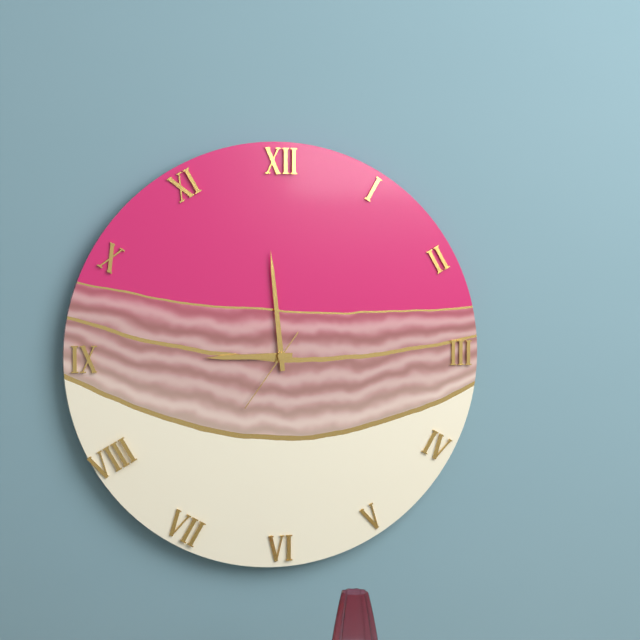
8:59:36
